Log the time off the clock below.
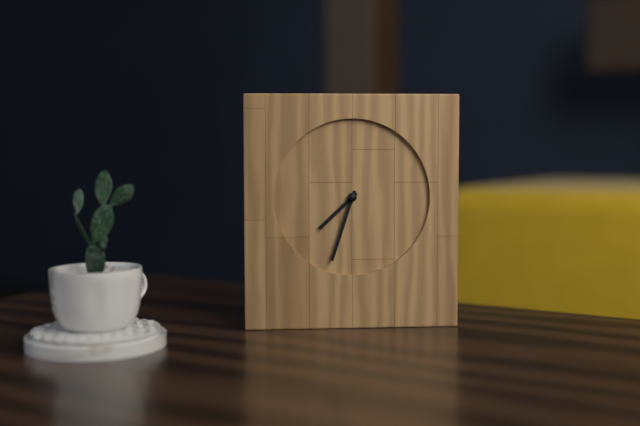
7:33
